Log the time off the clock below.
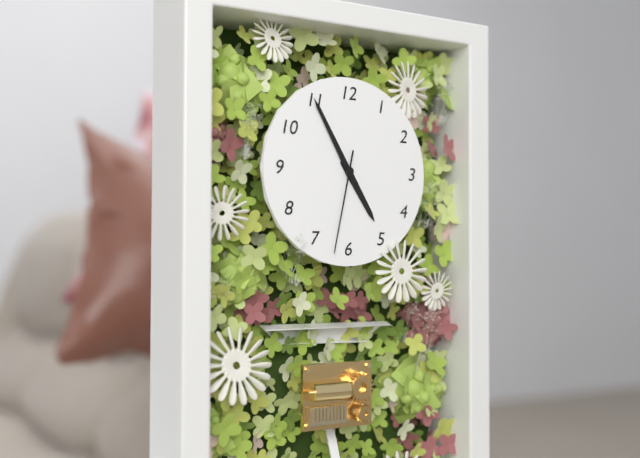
4:55:32
